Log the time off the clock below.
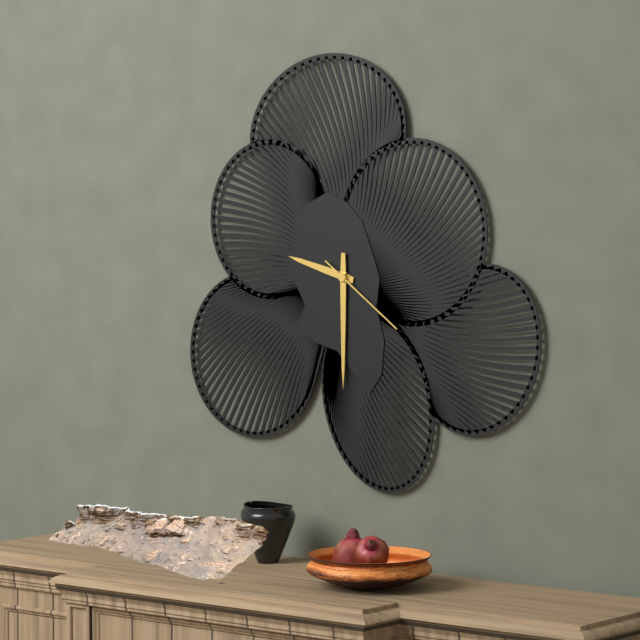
9:30:21
